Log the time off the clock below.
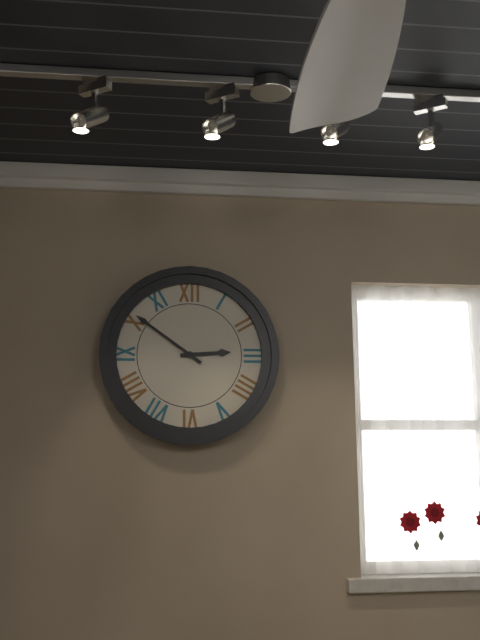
2:51
